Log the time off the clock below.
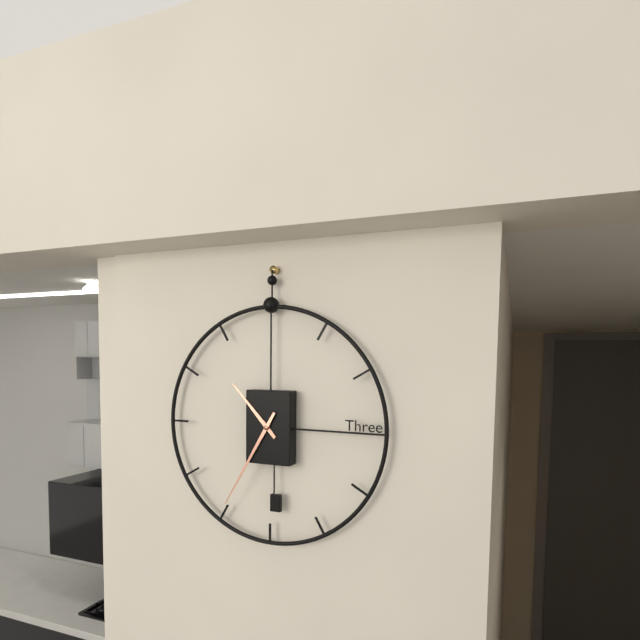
10:35
